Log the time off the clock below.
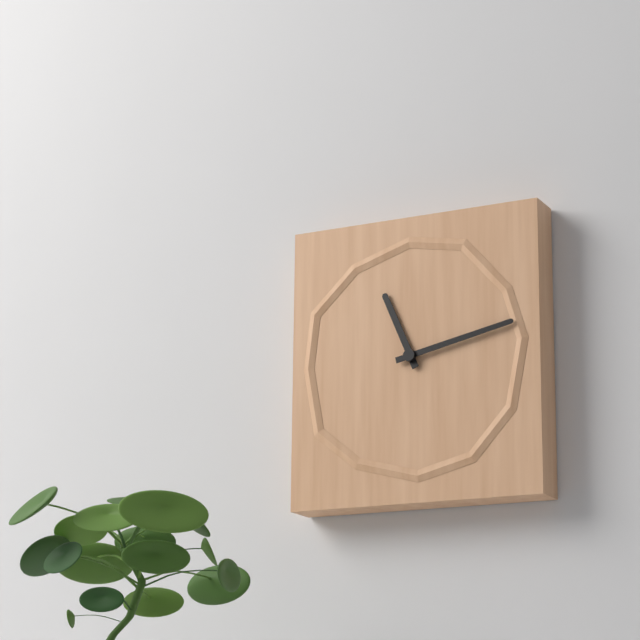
11:13
